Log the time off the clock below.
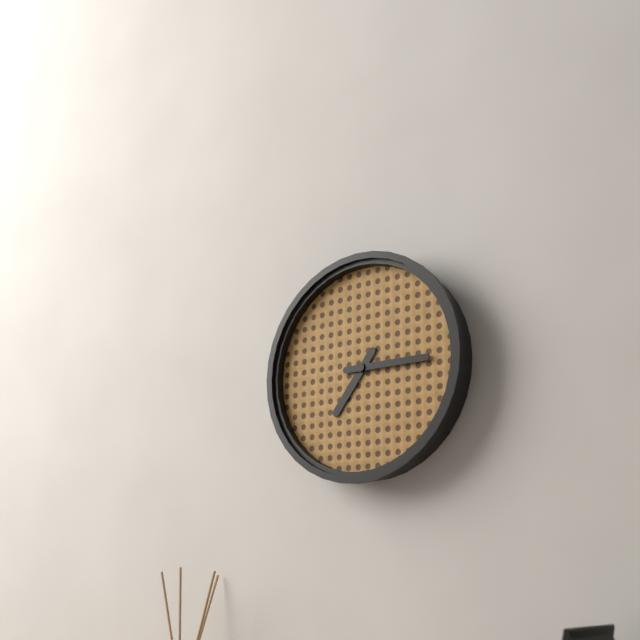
7:15
